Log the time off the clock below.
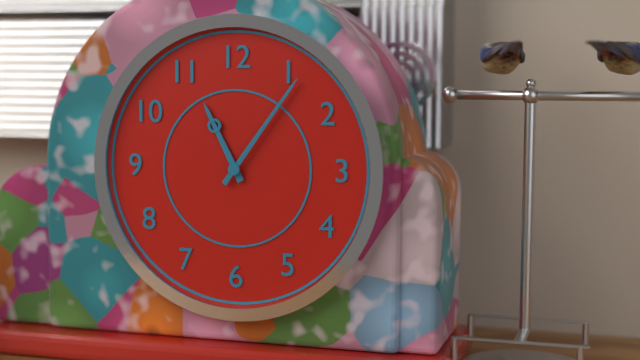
11:06
